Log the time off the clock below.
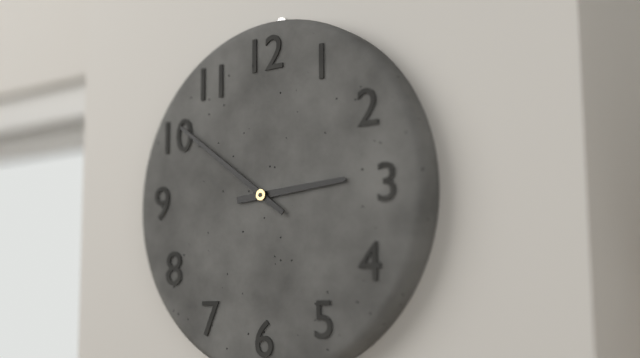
2:51
